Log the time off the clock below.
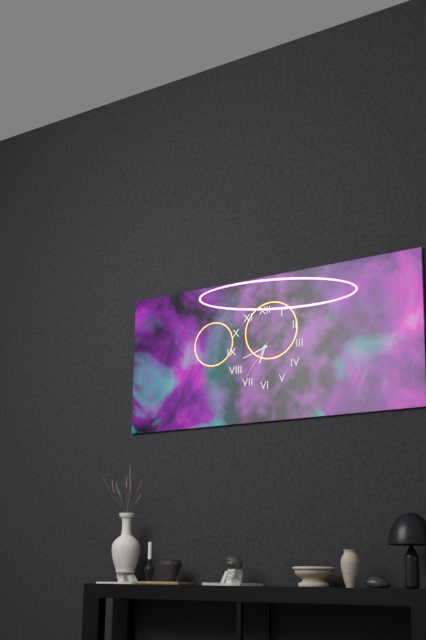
6:42
